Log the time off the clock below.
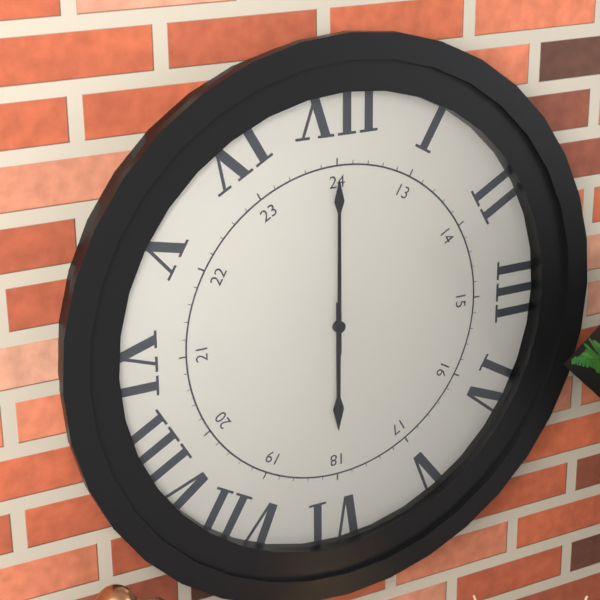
6:00
